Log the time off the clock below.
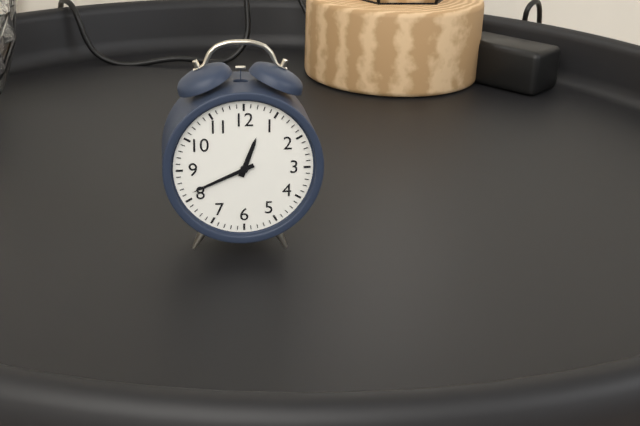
12:41
